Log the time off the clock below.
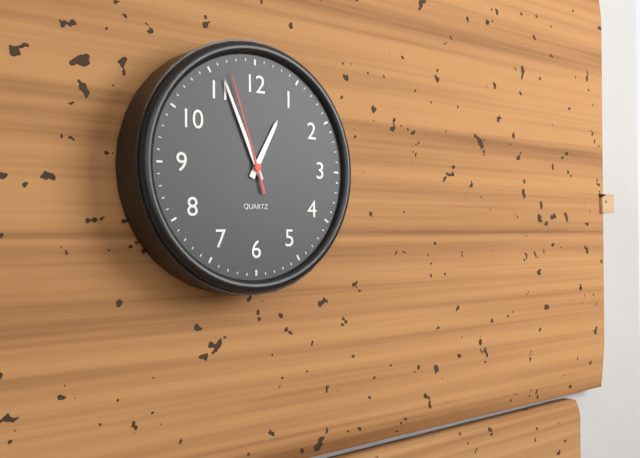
12:56:57
